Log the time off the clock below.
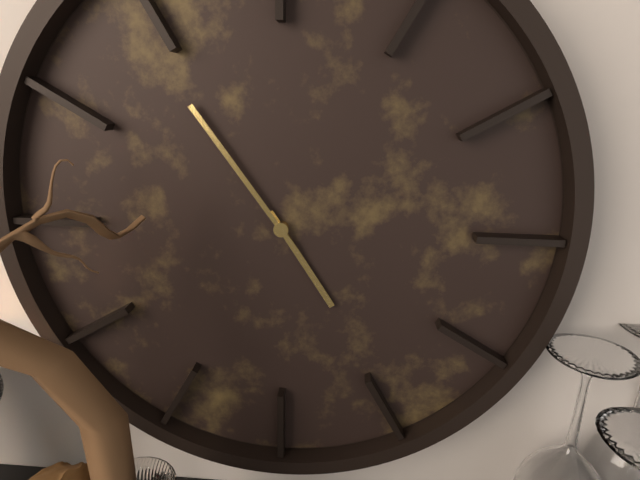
4:54
